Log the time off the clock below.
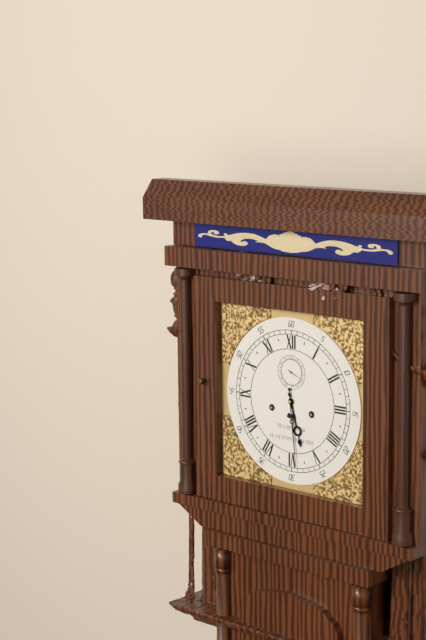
5:29
